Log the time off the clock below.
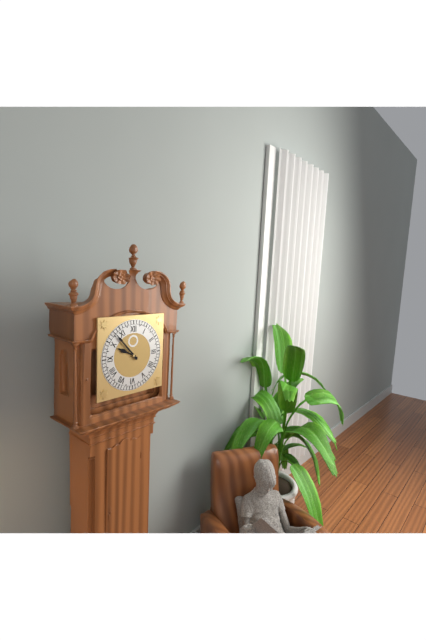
9:53
